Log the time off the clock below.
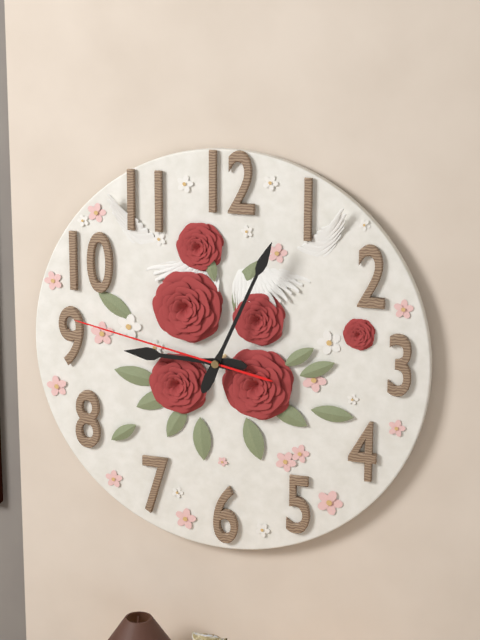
9:04:47
